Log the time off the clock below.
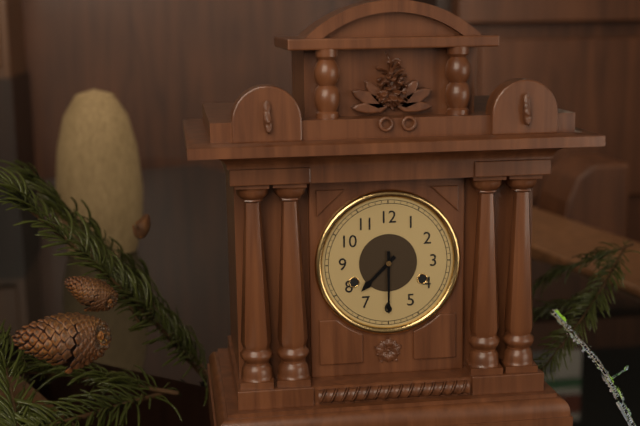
7:30
